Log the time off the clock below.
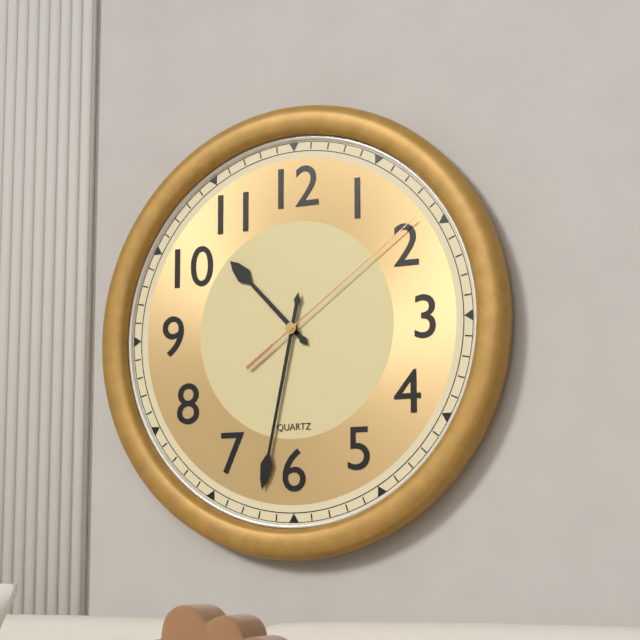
10:32:09
